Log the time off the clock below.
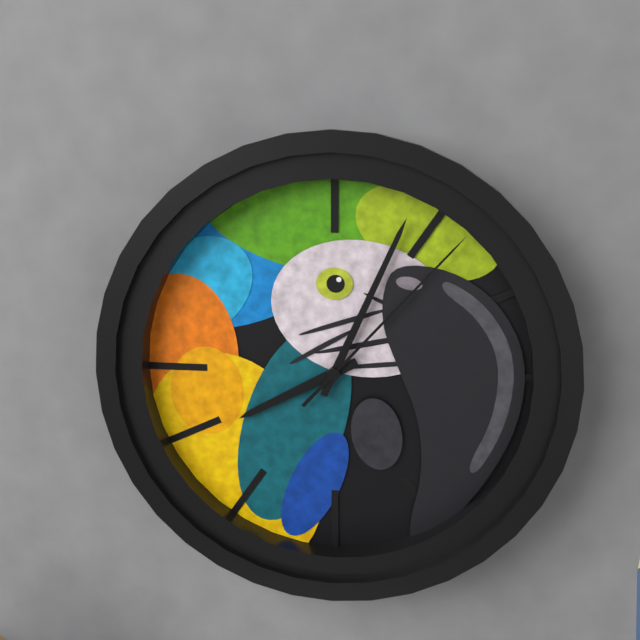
8:04:07
